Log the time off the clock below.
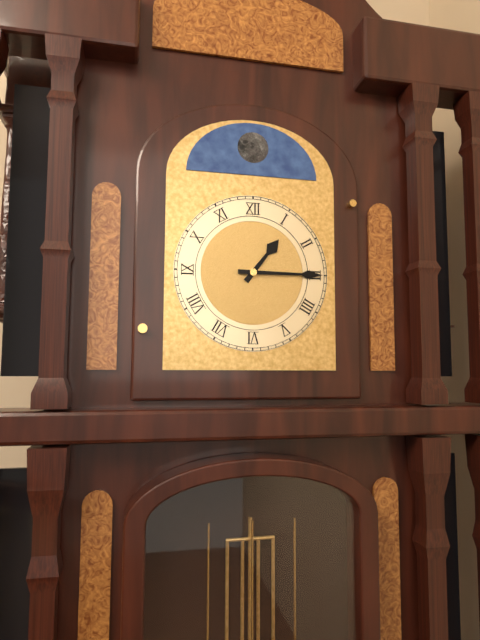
1:15
